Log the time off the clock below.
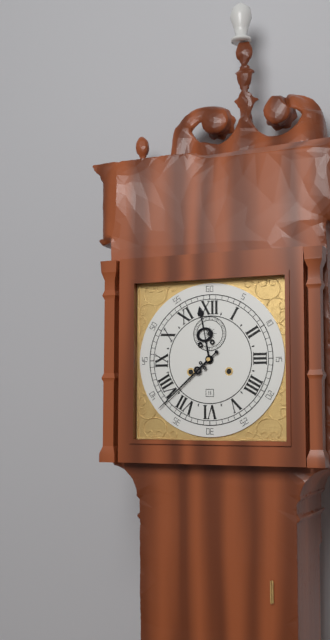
11:38
